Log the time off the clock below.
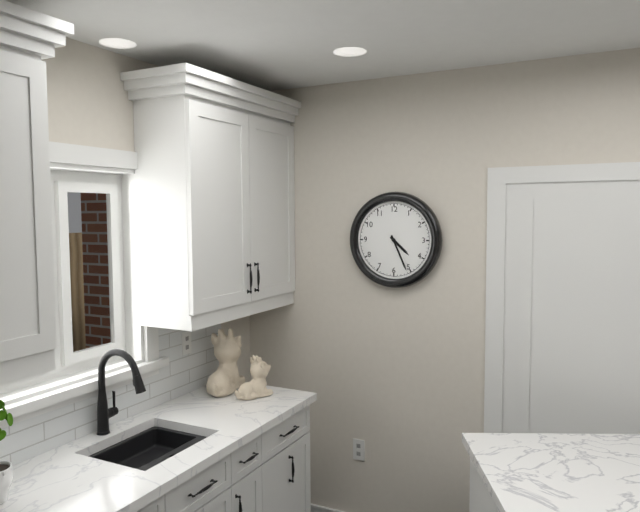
4:26
